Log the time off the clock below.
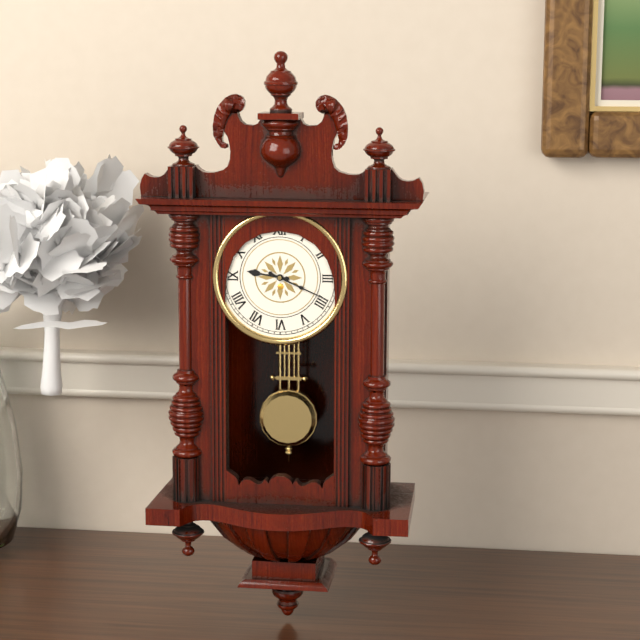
9:19
